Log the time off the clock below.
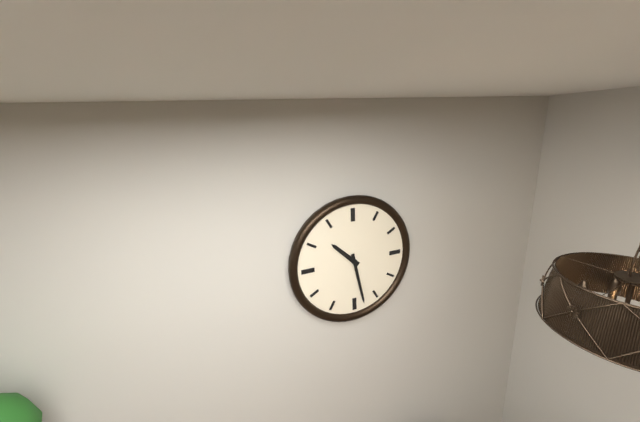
10:28
